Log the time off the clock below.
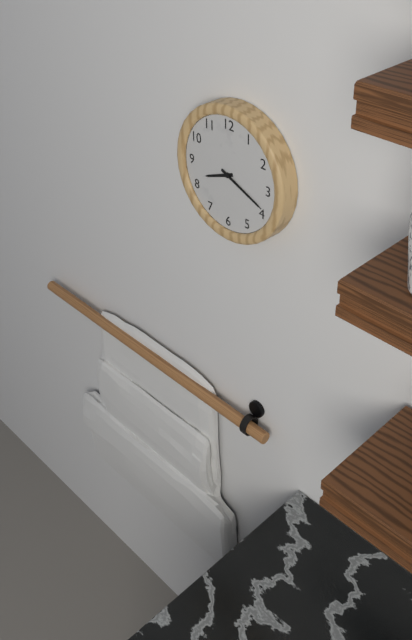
8:19
